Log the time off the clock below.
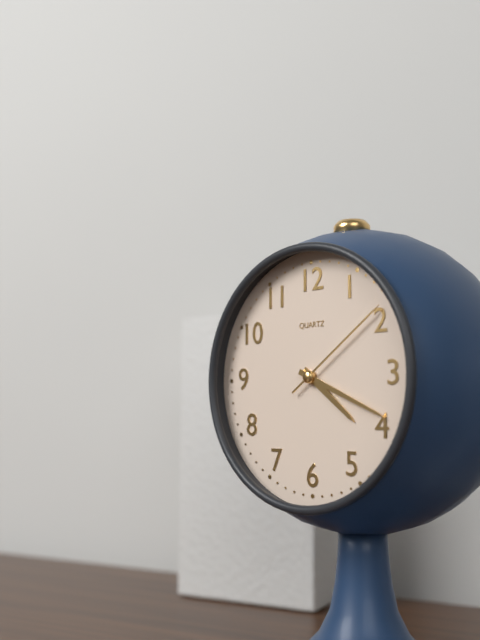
4:19:09
